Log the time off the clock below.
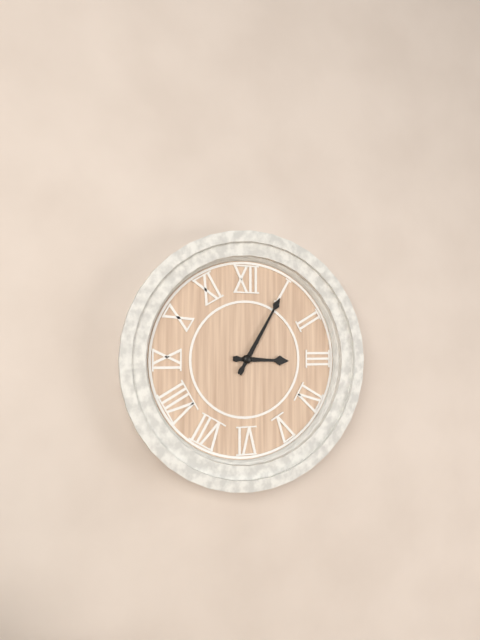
3:05
